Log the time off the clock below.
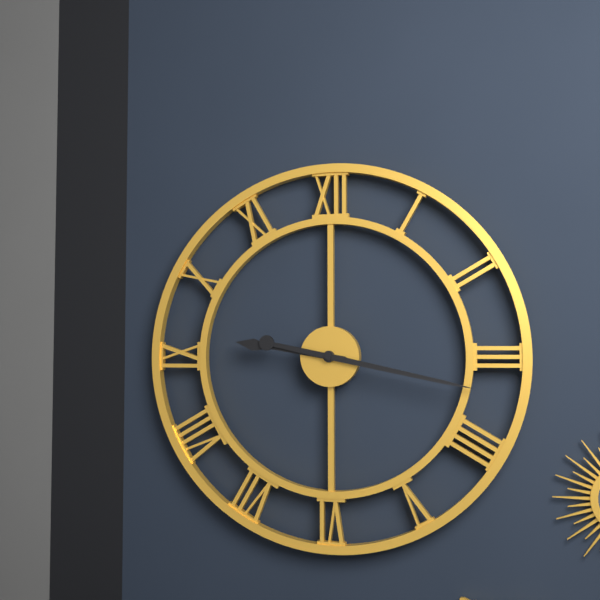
9:17
